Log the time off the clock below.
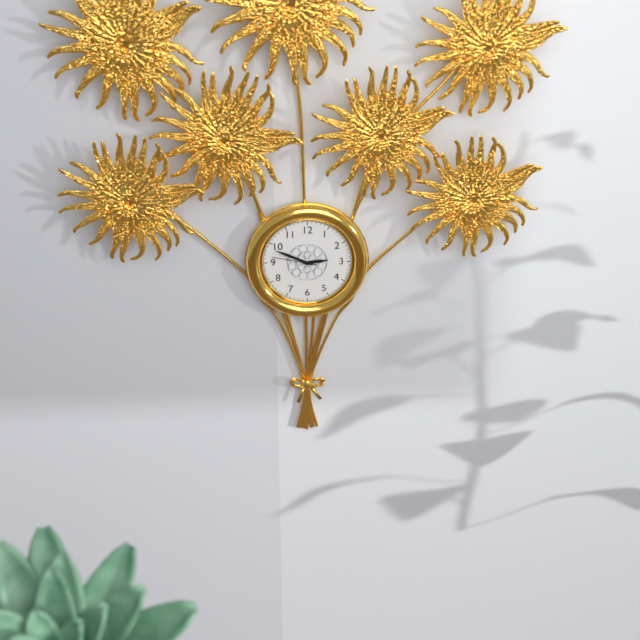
2:49
